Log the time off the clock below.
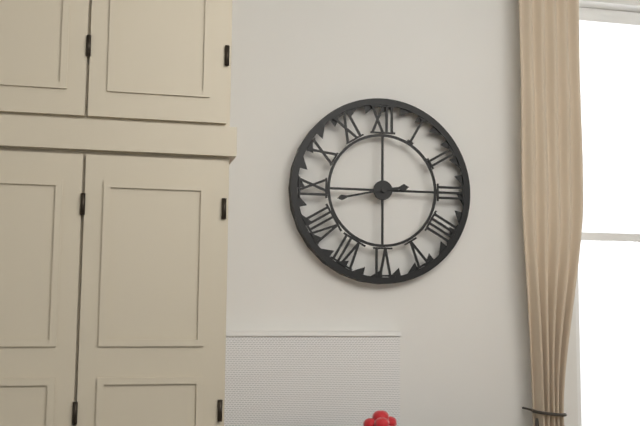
2:43
